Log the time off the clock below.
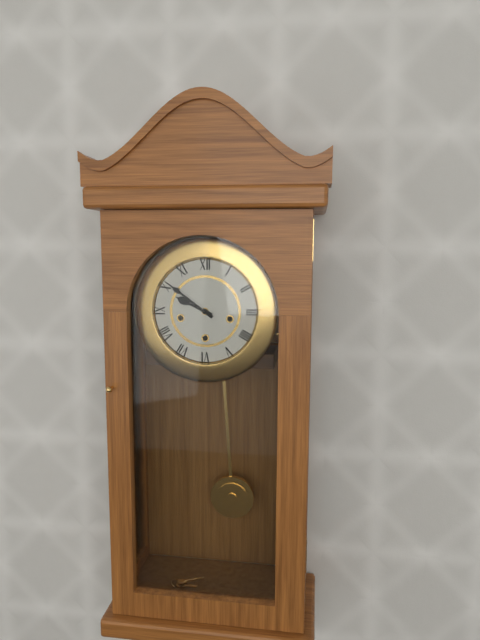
9:51
